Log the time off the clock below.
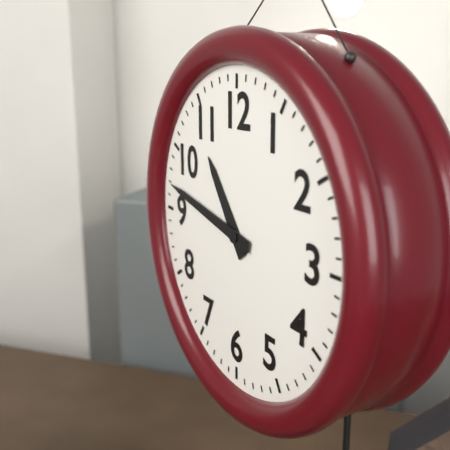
10:47
